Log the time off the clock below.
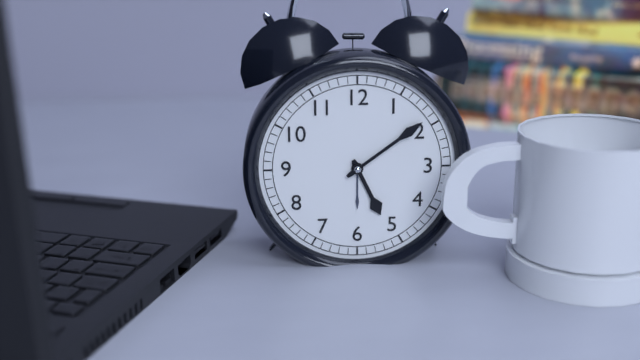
5:09
